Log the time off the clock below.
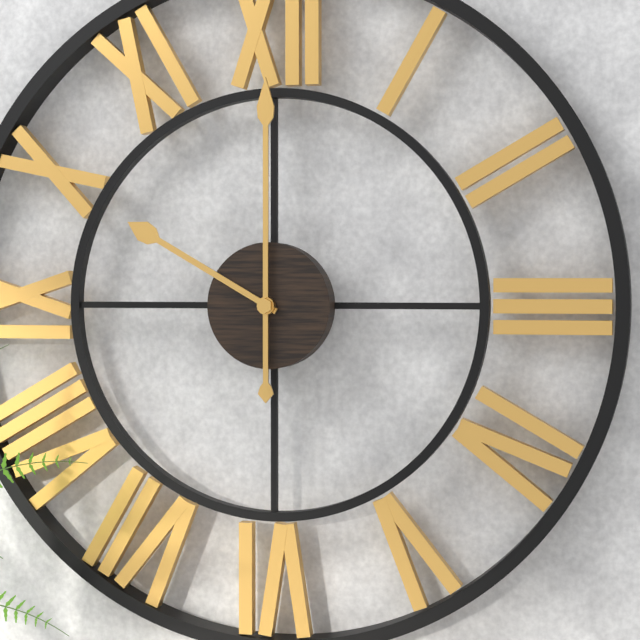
10:00
